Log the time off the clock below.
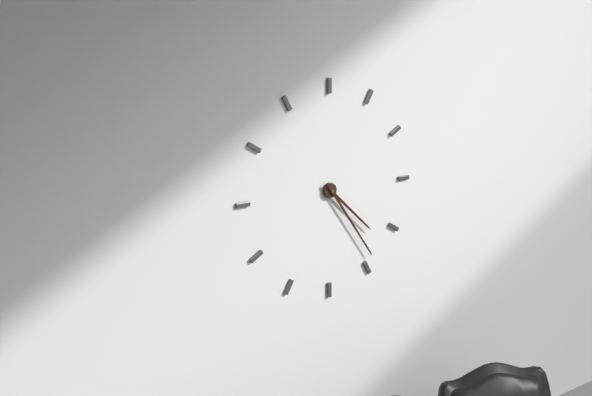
4:24
